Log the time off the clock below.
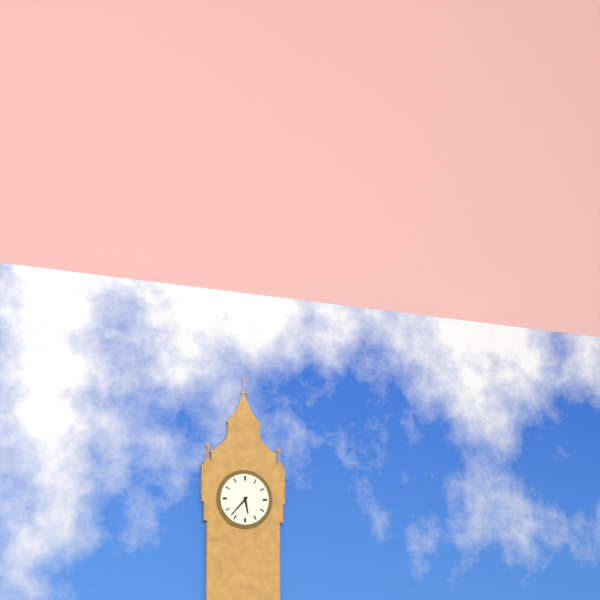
5:37
